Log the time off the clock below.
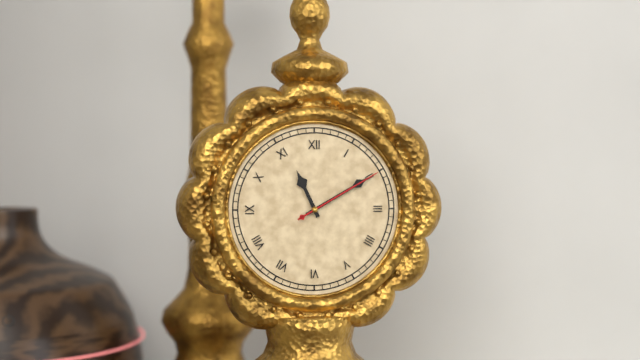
11:10:10
